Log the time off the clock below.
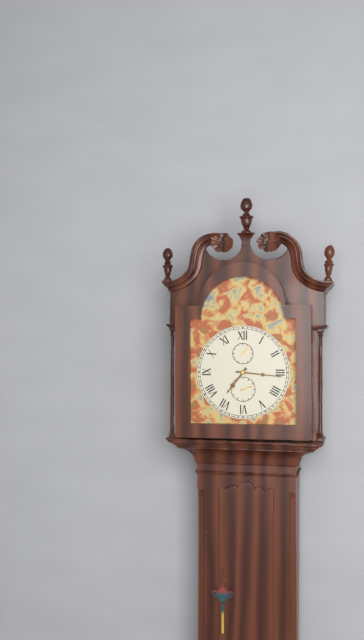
7:16
